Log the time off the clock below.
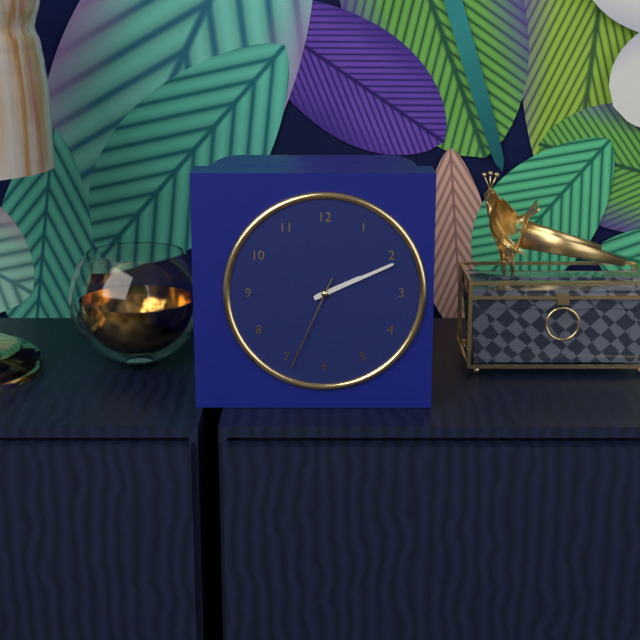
2:11:34
